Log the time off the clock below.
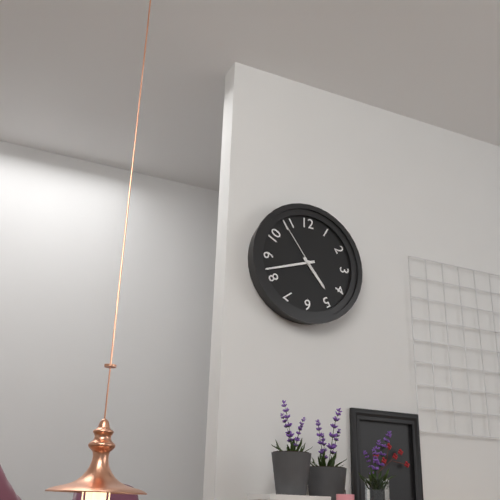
4:42:54
